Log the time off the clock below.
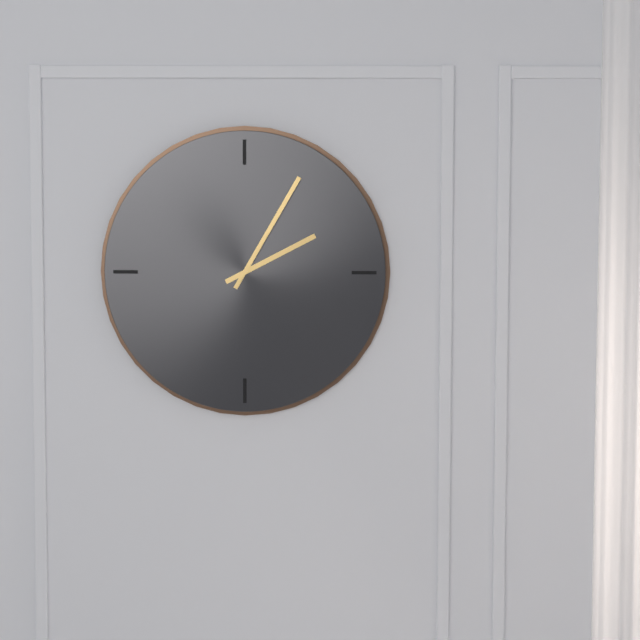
2:05
